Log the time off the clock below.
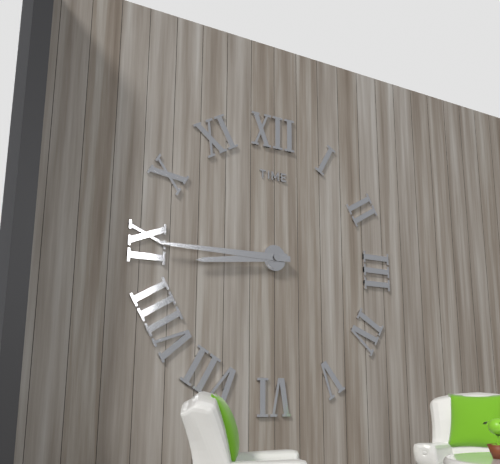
8:45
